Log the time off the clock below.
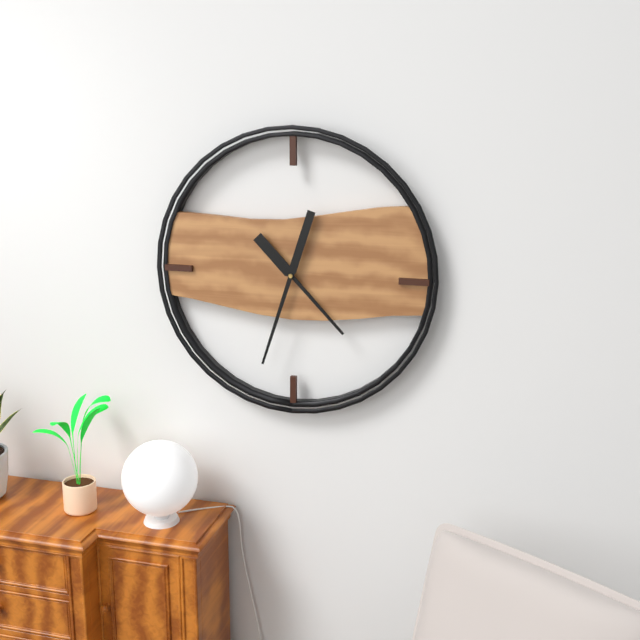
4:33
